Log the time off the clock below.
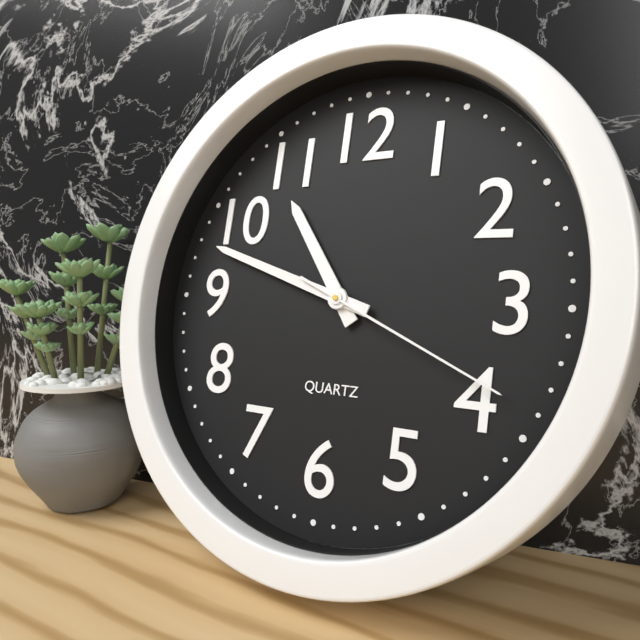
10:48:19
